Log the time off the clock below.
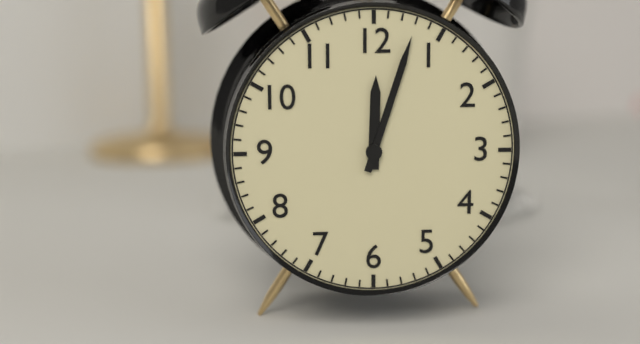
12:03
